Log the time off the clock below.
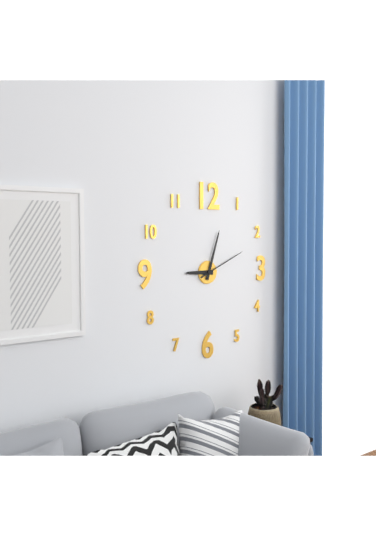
9:03
